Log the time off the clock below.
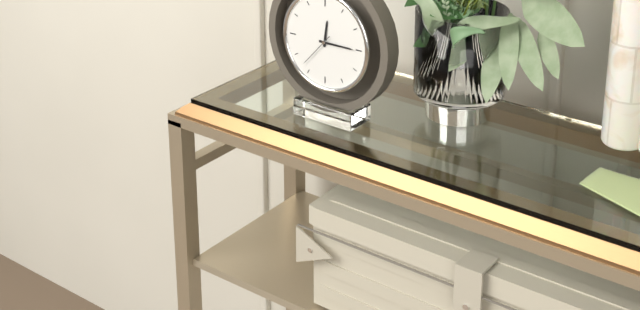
12:15
